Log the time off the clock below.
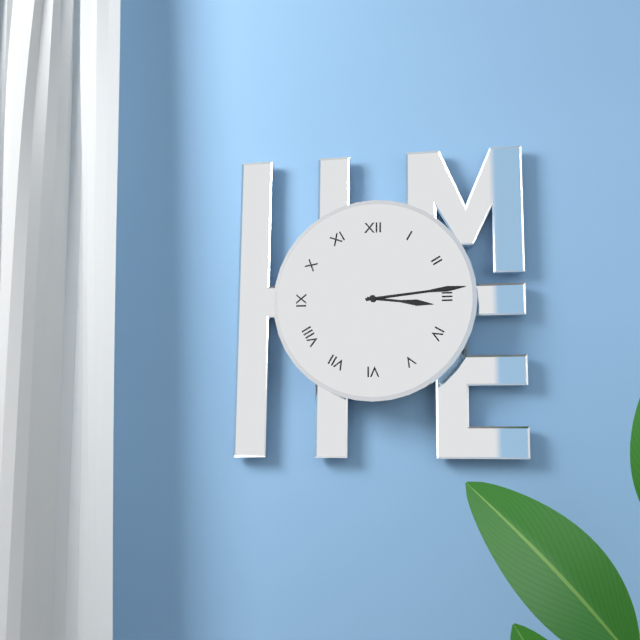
3:14
